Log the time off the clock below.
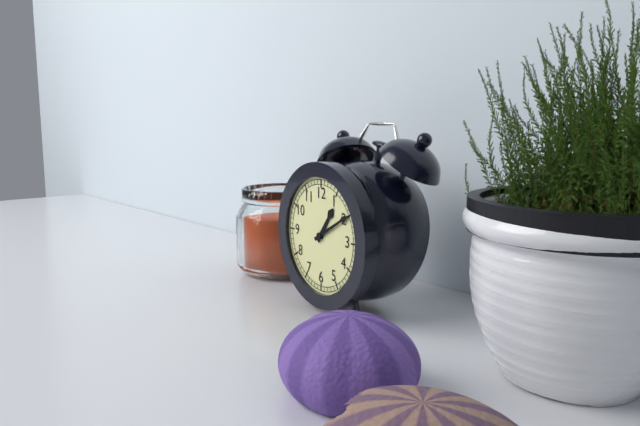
1:10
